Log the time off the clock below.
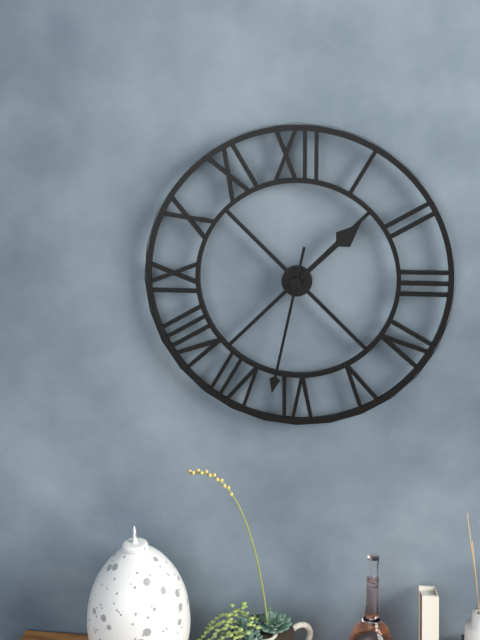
1:32
